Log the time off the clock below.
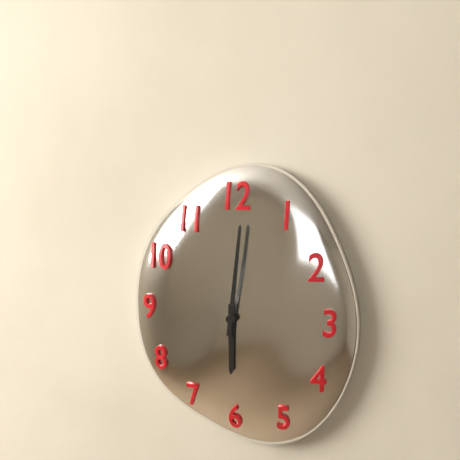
6:01
